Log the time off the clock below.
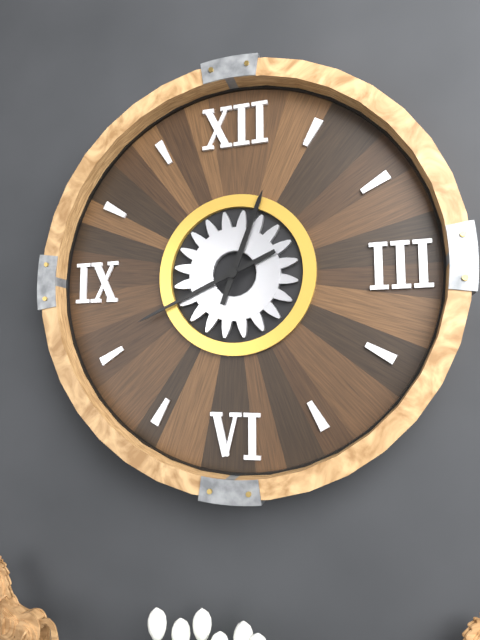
12:41
